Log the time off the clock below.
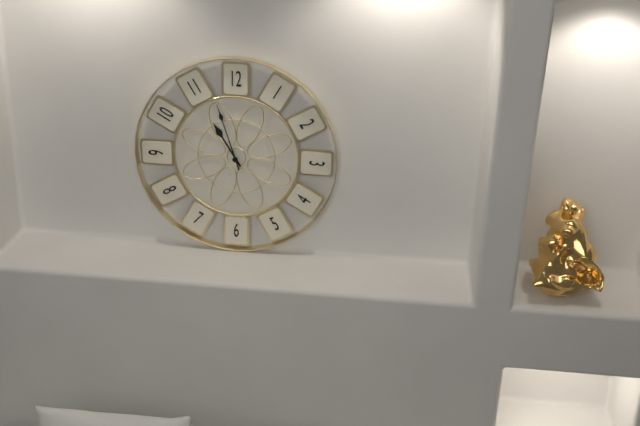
10:57
